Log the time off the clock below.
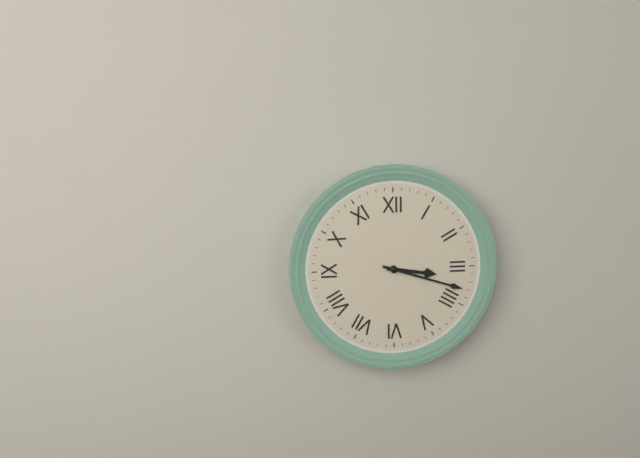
3:18
